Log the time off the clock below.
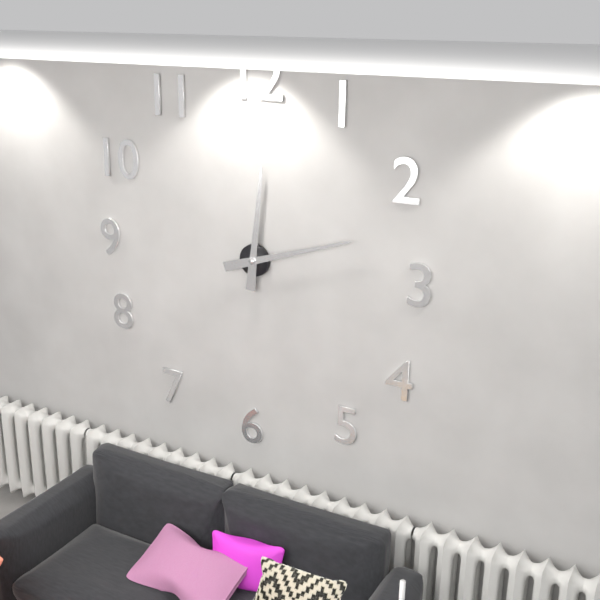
12:12
